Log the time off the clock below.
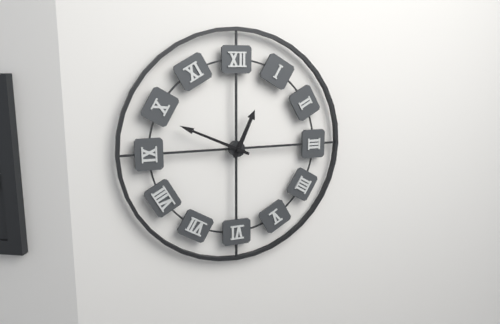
12:49
